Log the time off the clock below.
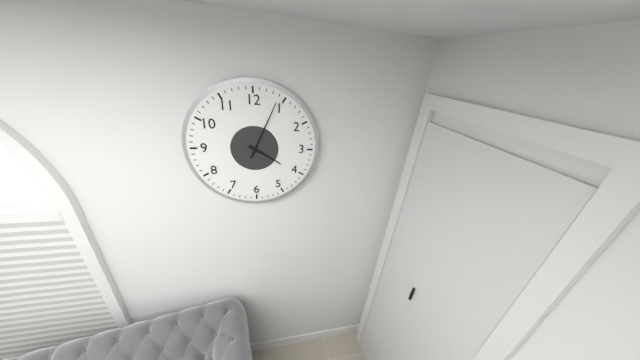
4:04
